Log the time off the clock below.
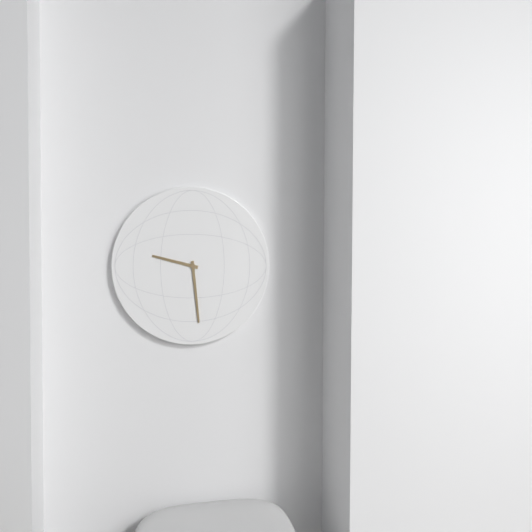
9:29
